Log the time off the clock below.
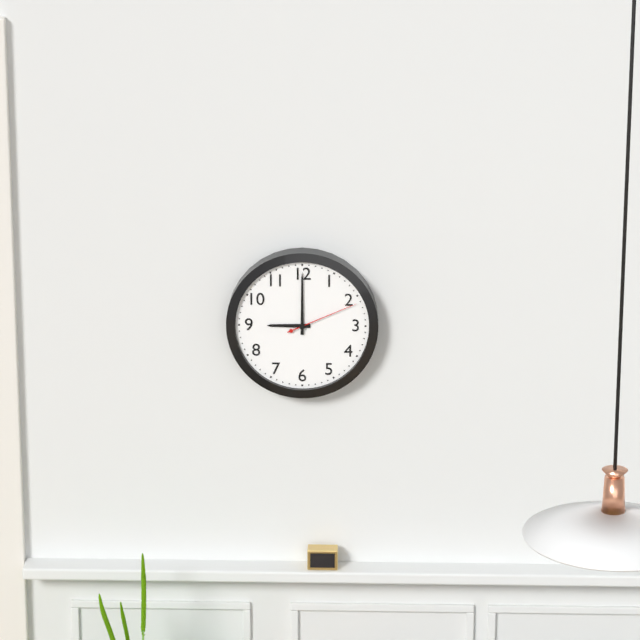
9:00:11
